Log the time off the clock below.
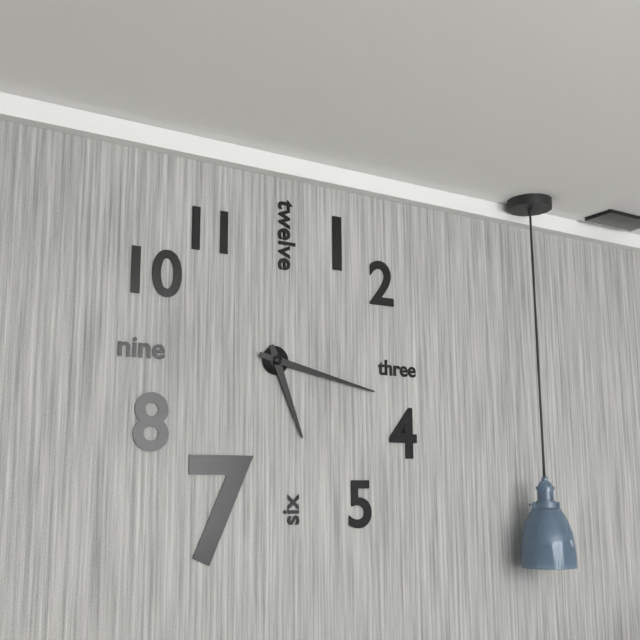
5:17
